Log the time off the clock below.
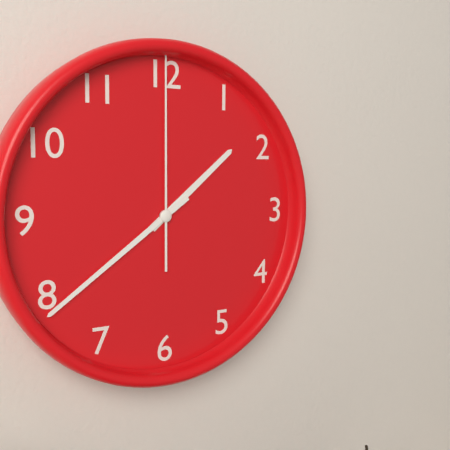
1:39:00
